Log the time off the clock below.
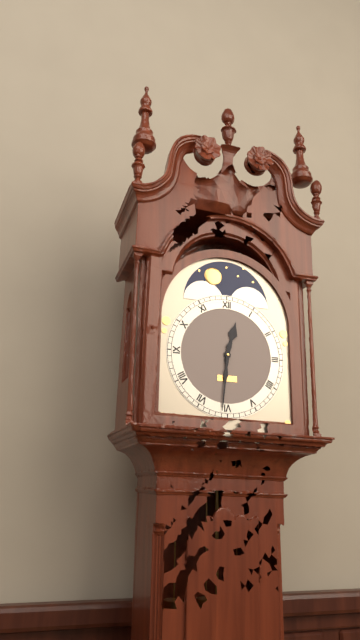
12:31
